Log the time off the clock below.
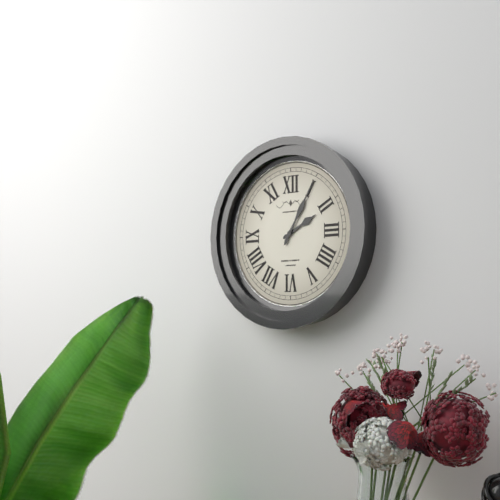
2:05
